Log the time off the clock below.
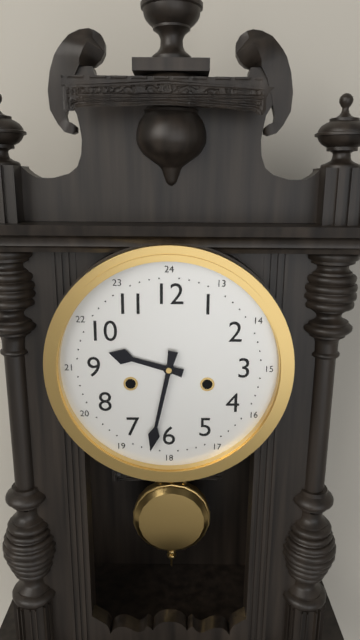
9:32
